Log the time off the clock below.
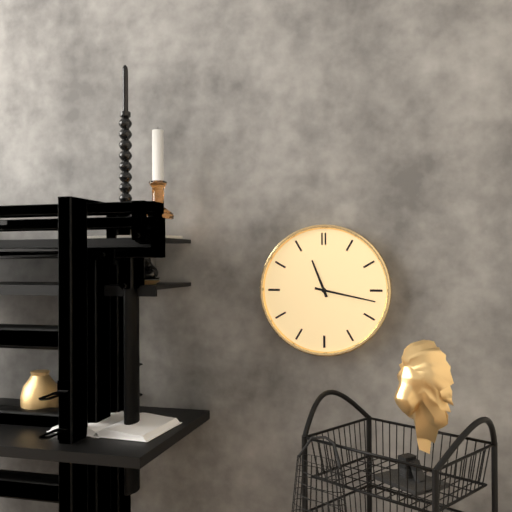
11:17
